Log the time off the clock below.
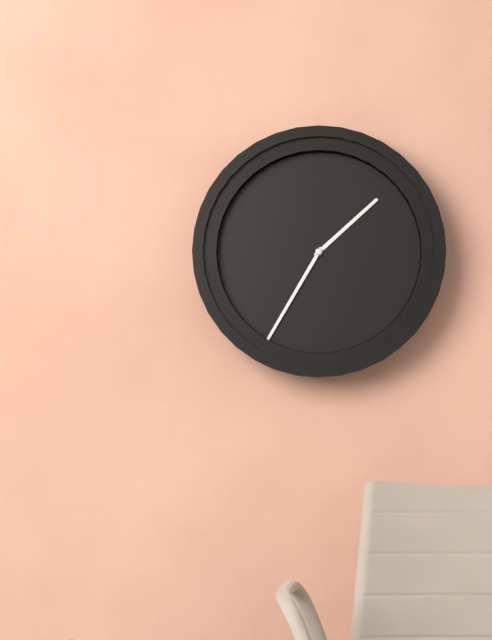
1:35
